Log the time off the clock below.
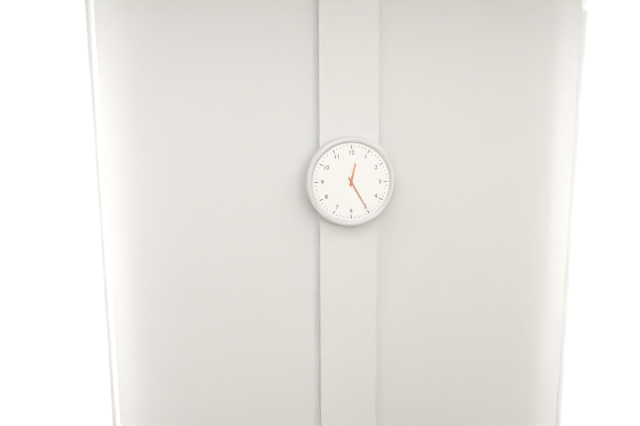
12:25
